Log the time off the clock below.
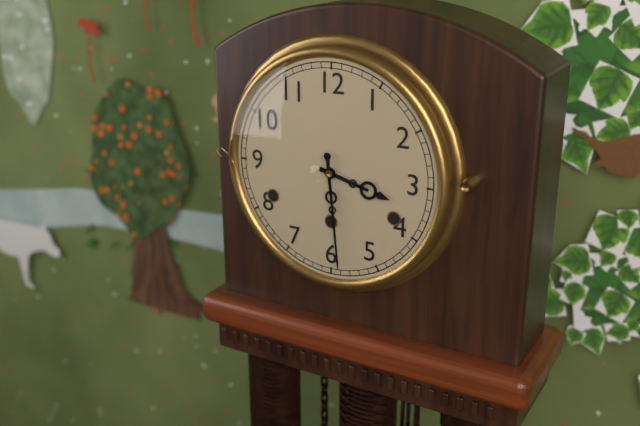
3:29
